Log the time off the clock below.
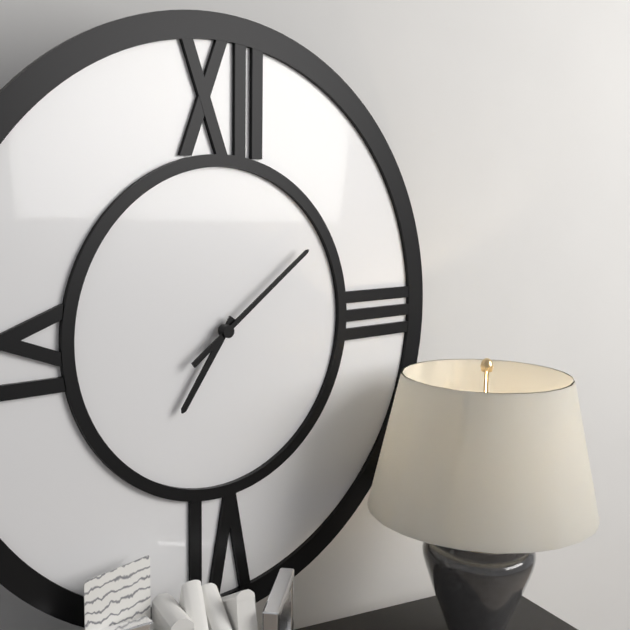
7:09
